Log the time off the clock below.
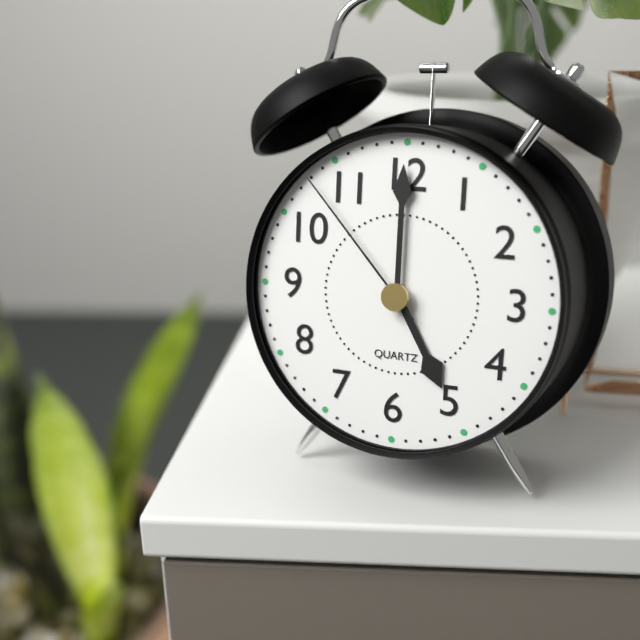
5:00:53
